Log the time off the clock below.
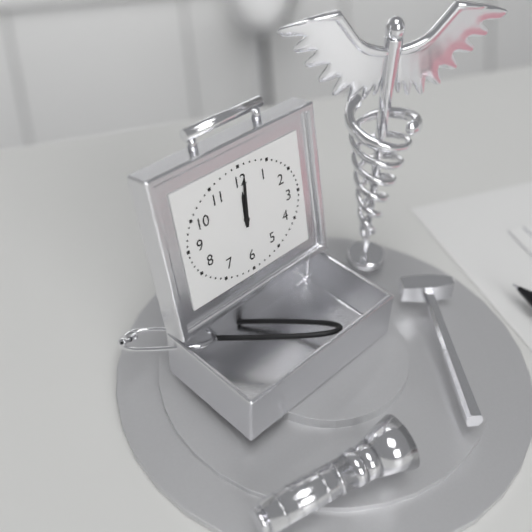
12:01
